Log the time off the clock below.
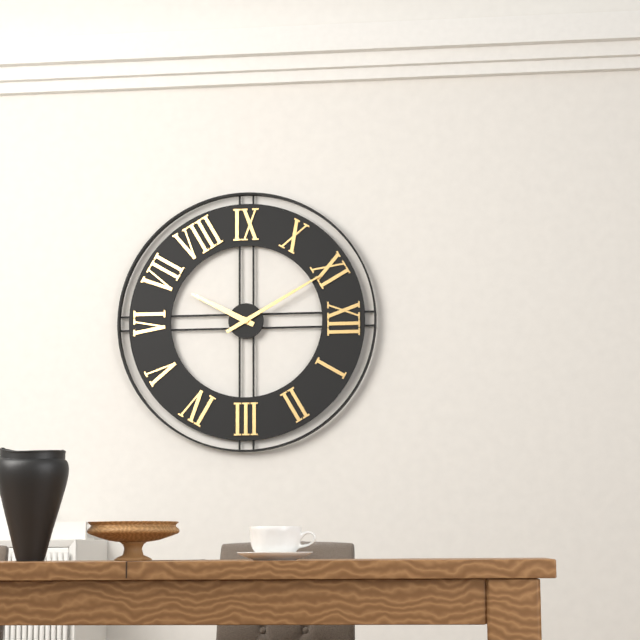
6:55
